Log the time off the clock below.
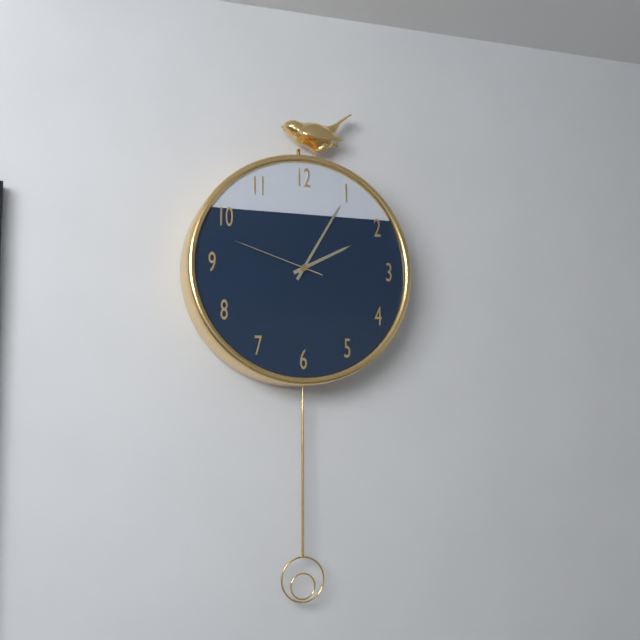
2:05:48
